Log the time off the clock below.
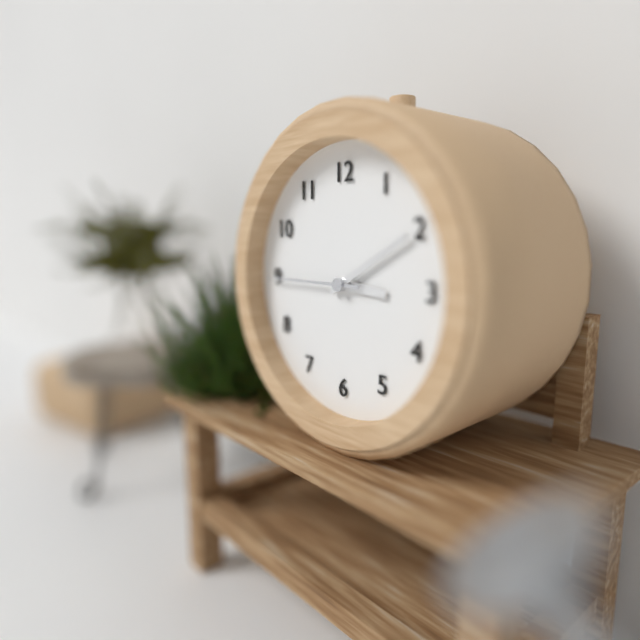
3:10:45
